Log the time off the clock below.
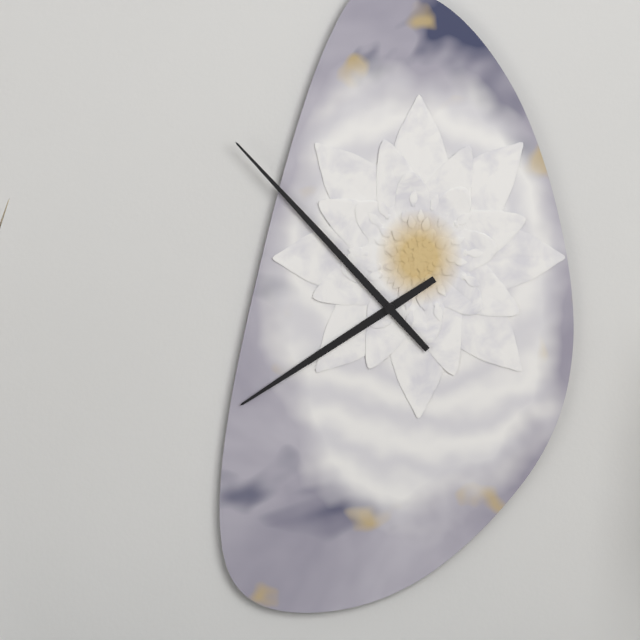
7:53
